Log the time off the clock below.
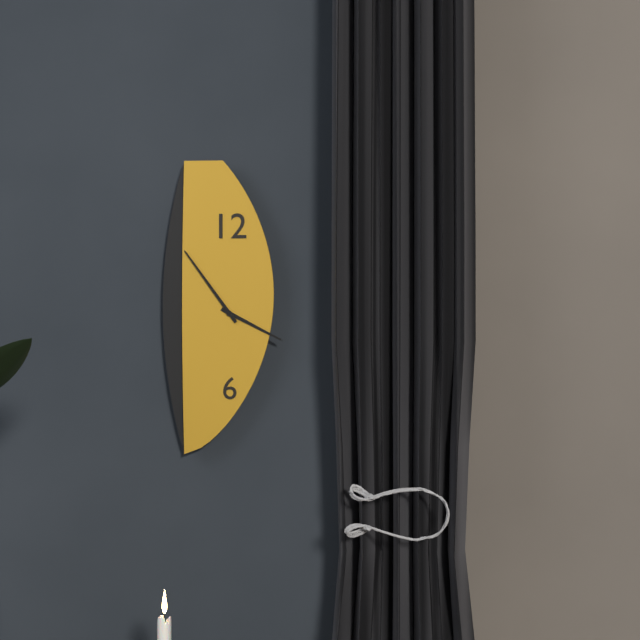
3:54
